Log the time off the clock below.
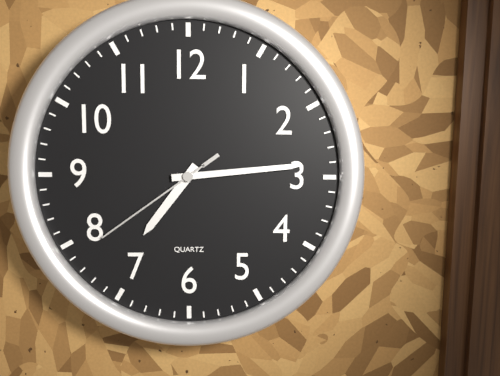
7:14:39
